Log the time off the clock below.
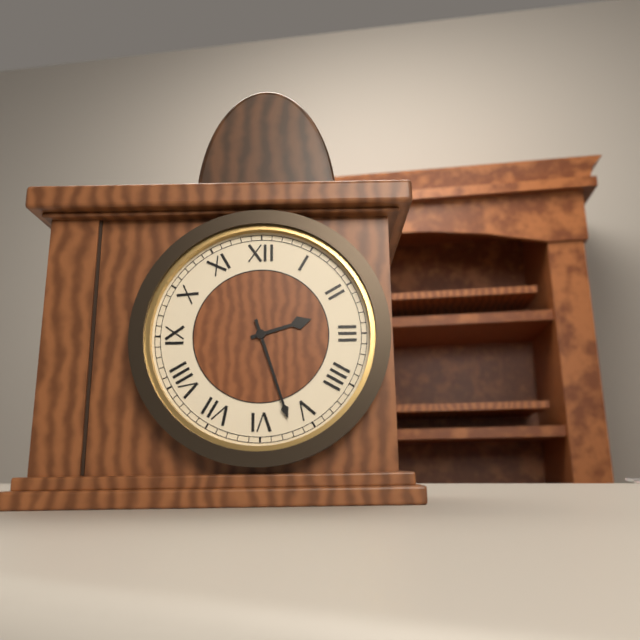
2:27
